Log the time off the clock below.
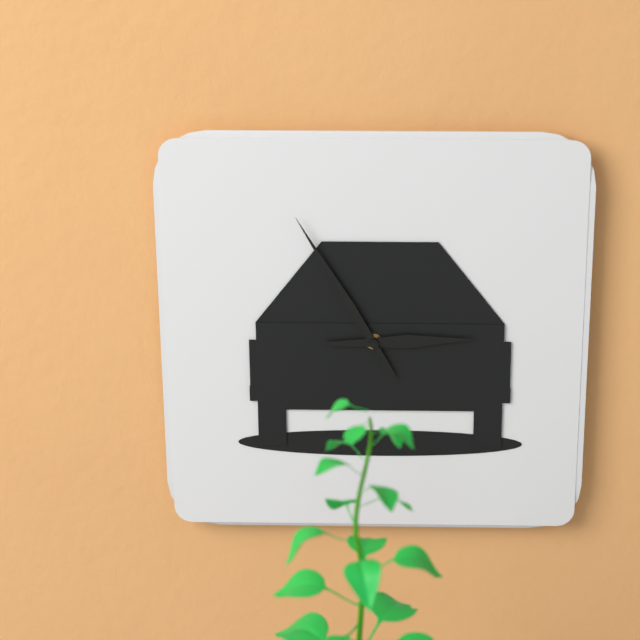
2:55
